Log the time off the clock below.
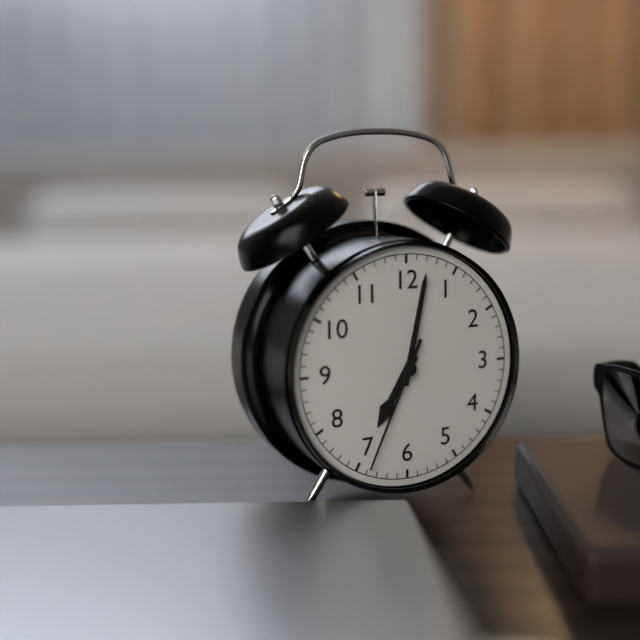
7:02:34
